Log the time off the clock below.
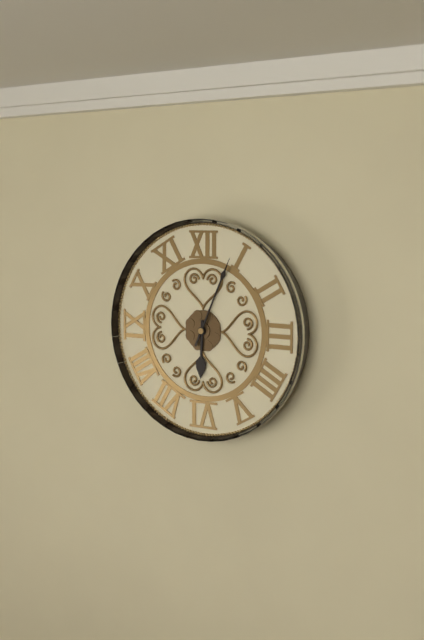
6:04
